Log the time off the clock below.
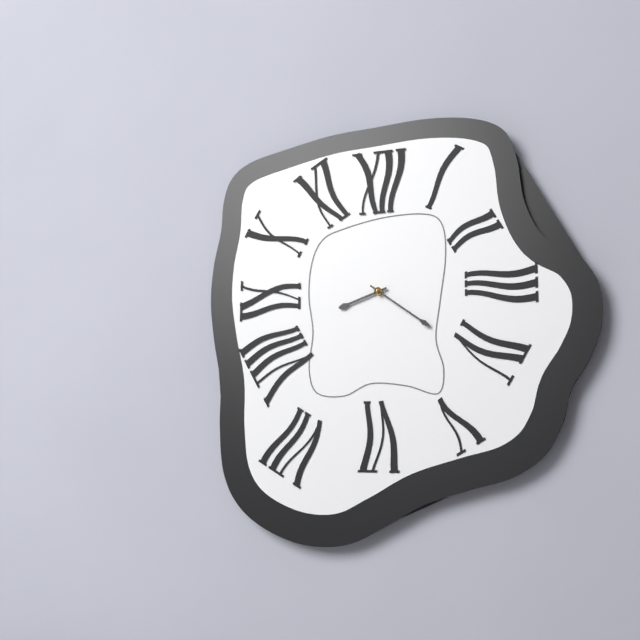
8:21
